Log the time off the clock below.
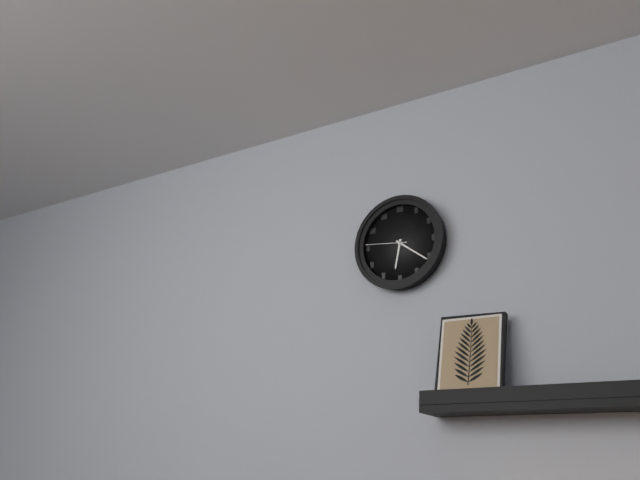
6:21
